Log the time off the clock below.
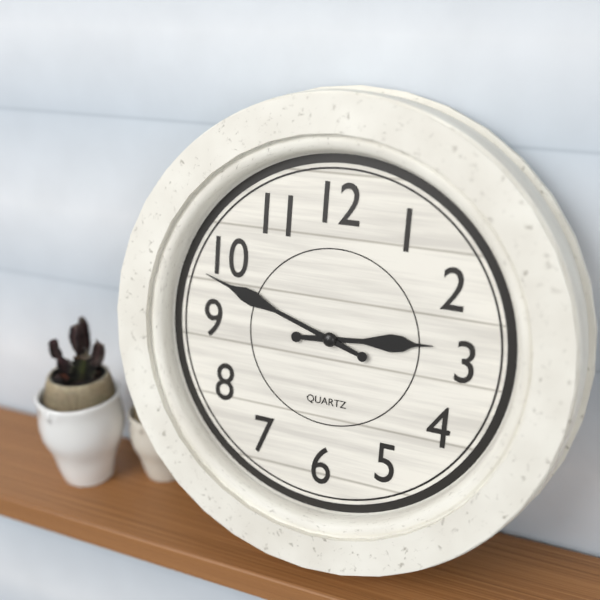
2:48
